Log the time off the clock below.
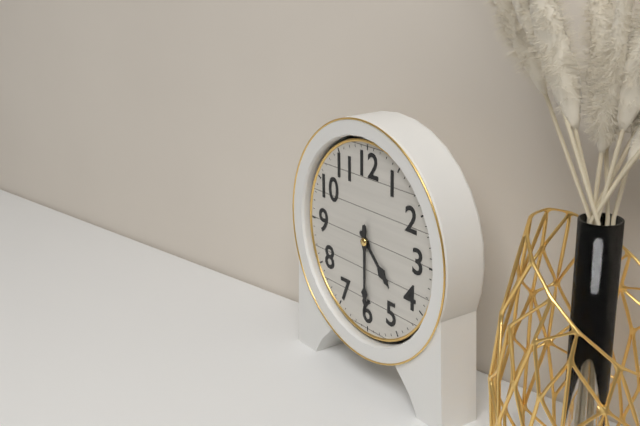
4:30
